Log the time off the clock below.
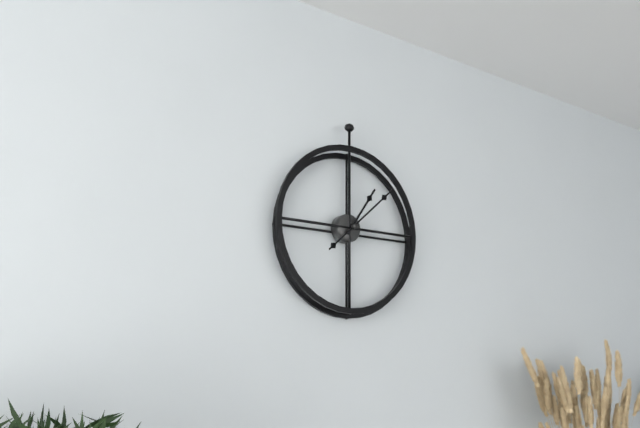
1:08
